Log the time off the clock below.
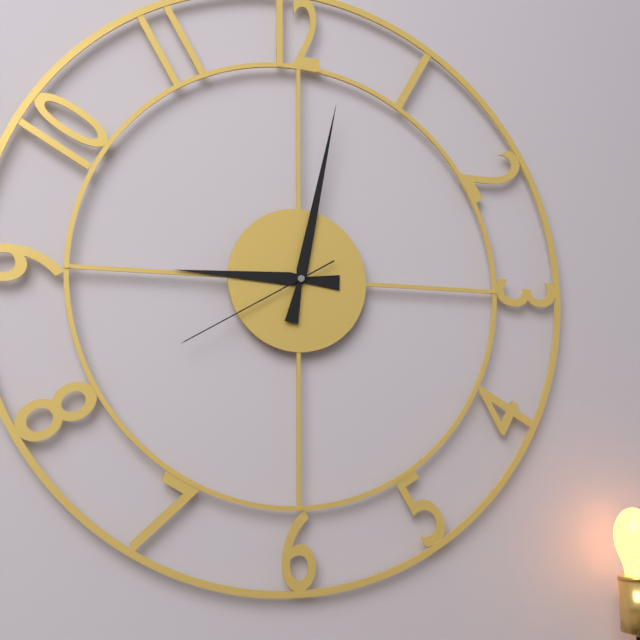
9:02:40
